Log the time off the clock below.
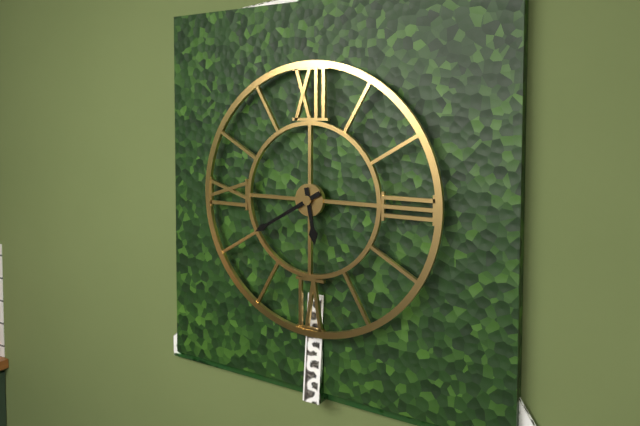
5:40
